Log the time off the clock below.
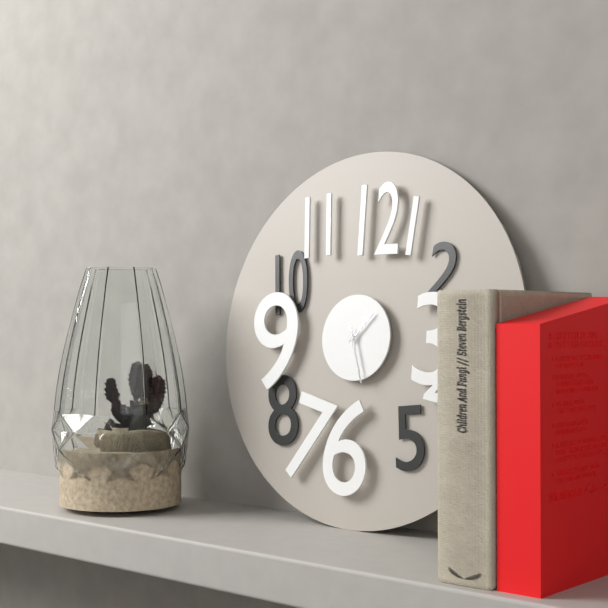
1:27
